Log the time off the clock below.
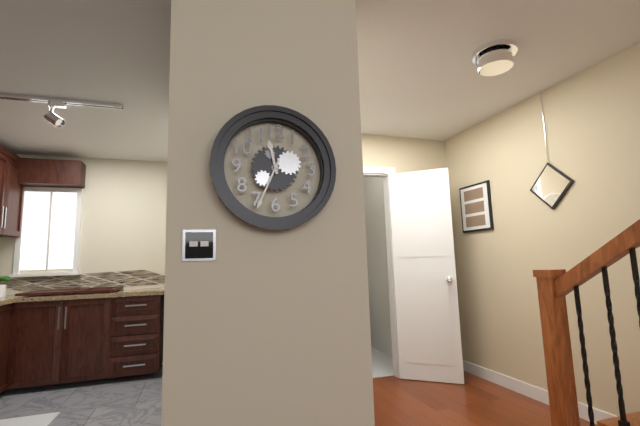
11:34
